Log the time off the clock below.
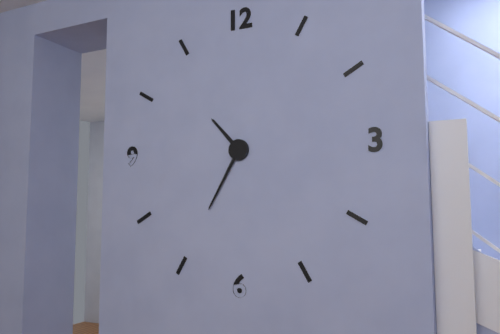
10:35
